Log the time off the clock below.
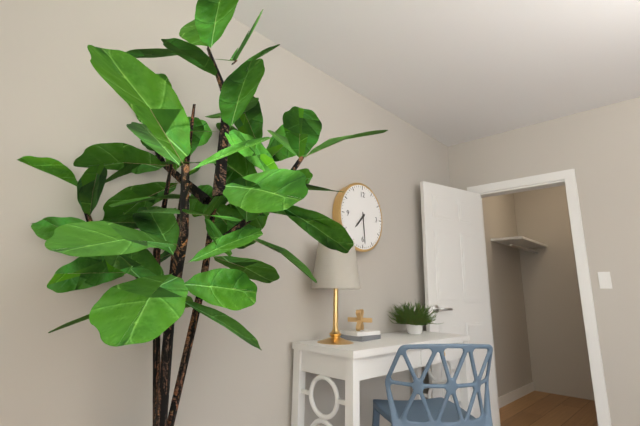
7:29
